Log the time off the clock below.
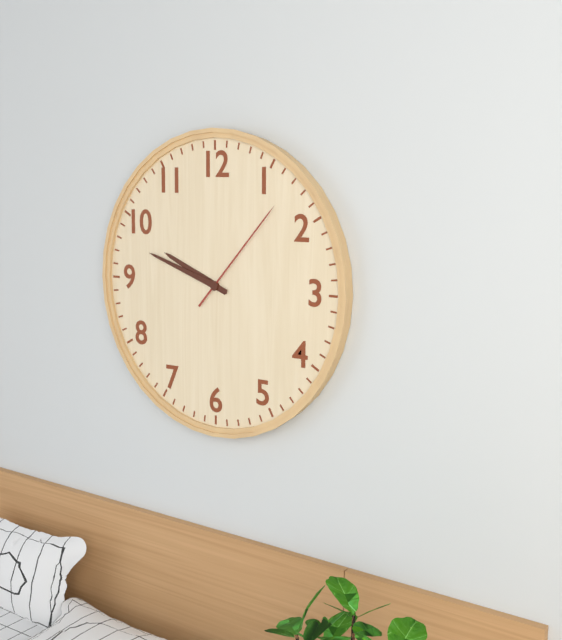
9:48:07
